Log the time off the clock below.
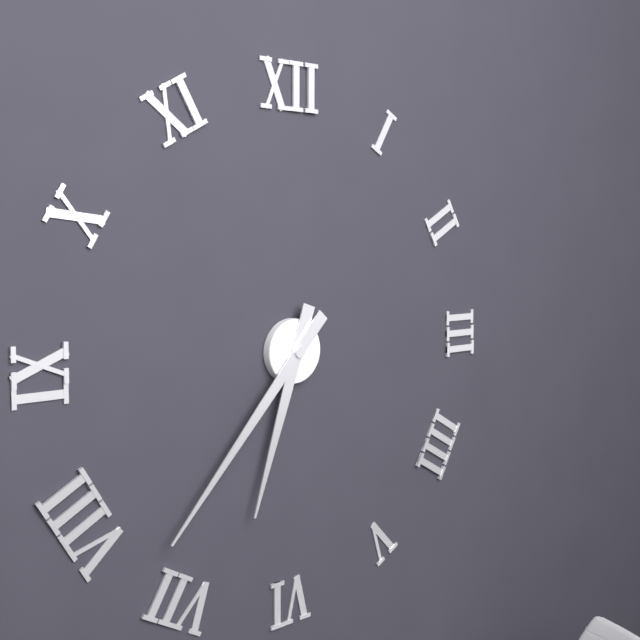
6:37
